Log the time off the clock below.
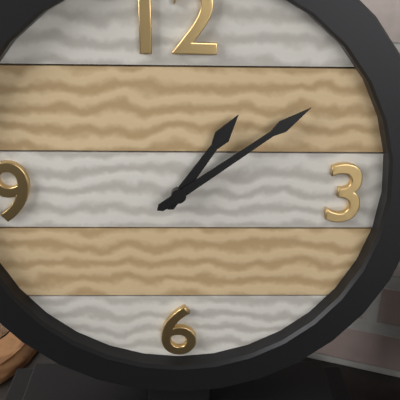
1:09
